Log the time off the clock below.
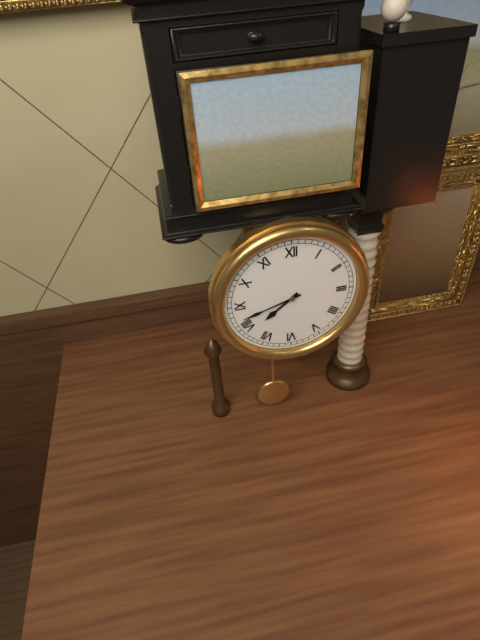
7:42
